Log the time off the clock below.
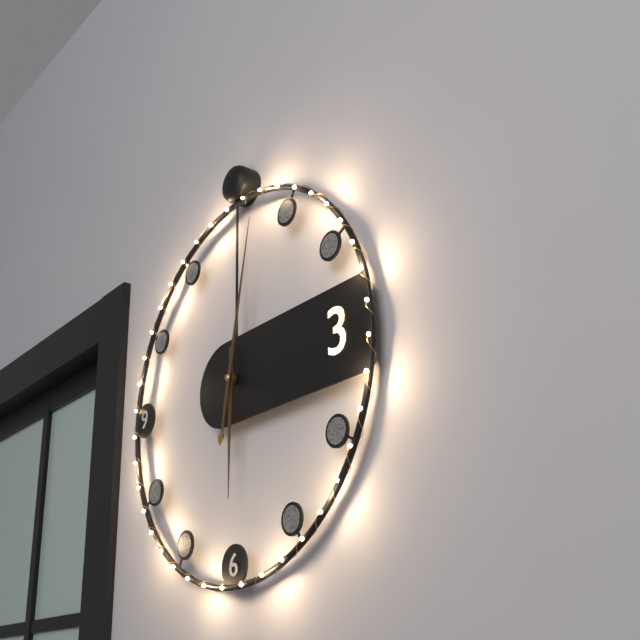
6:02
